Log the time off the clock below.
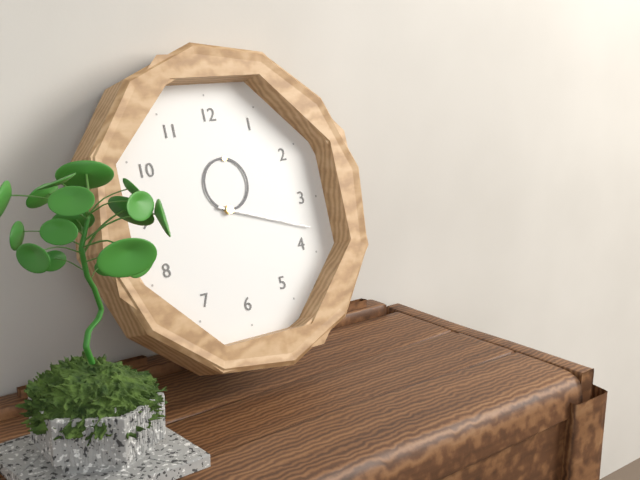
12:18
